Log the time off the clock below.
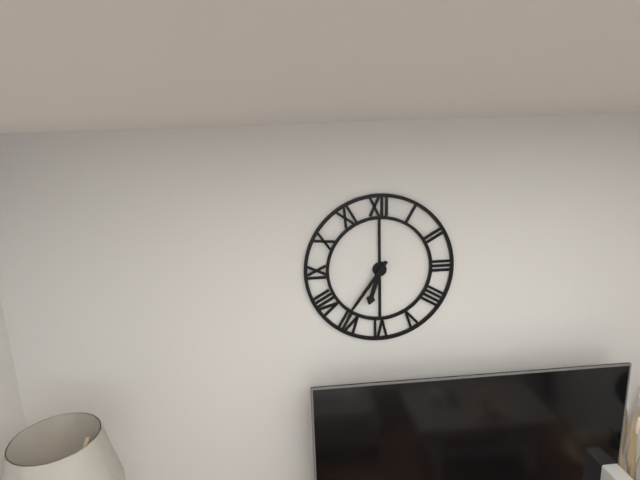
6:36
